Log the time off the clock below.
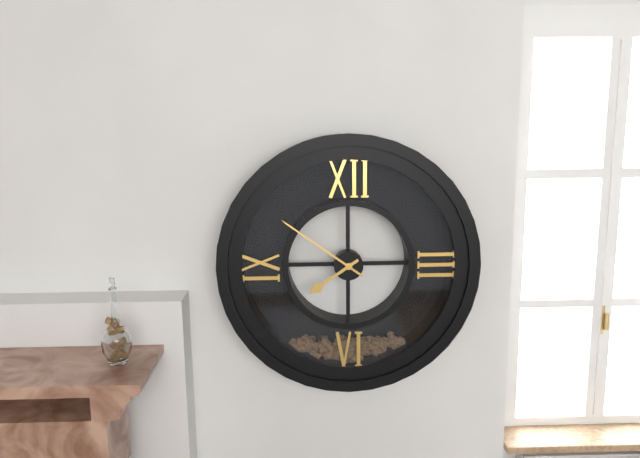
7:51
